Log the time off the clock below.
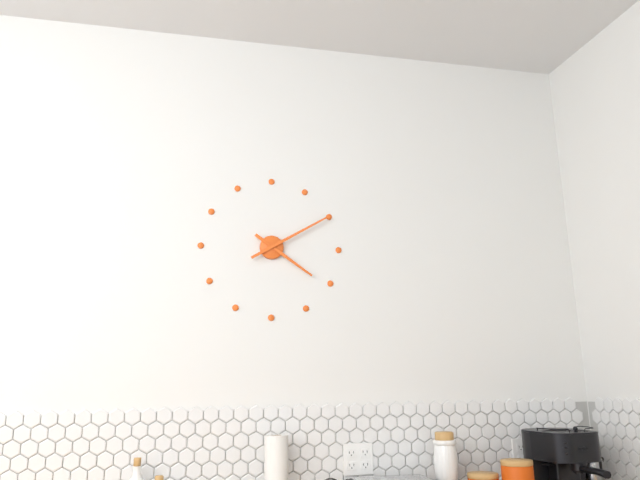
4:10
